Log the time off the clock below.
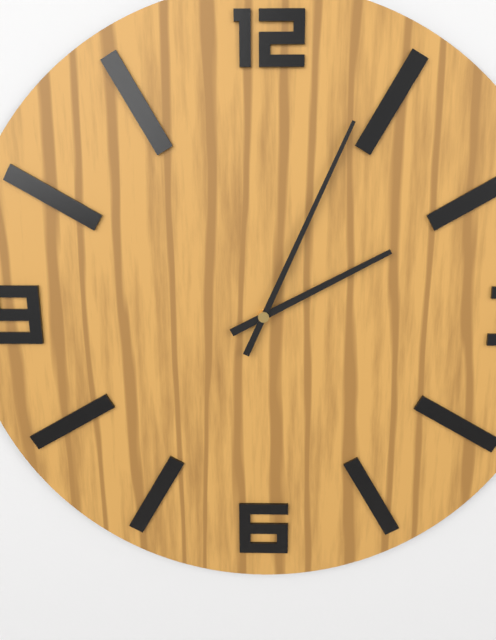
2:04
